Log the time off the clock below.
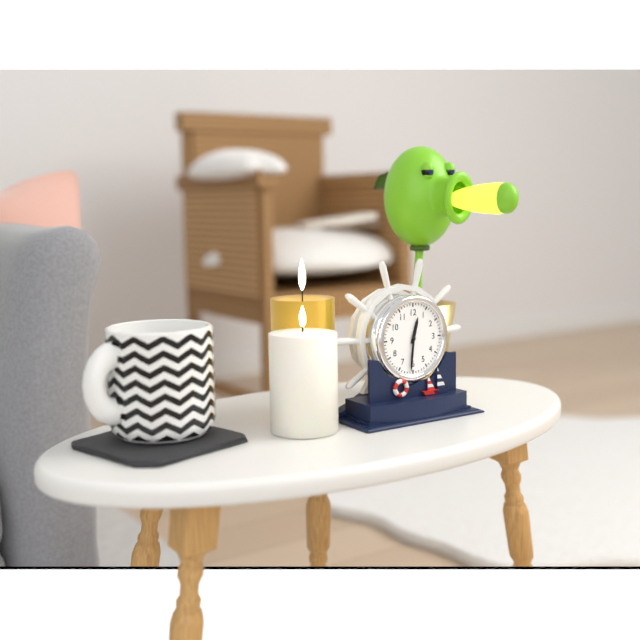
12:31
